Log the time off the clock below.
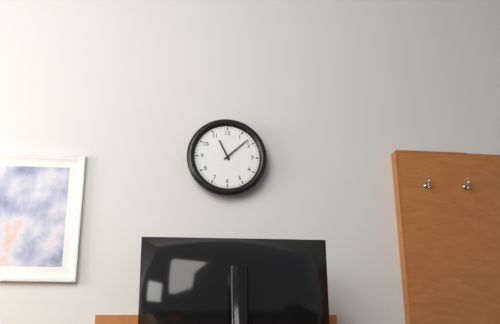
11:08
